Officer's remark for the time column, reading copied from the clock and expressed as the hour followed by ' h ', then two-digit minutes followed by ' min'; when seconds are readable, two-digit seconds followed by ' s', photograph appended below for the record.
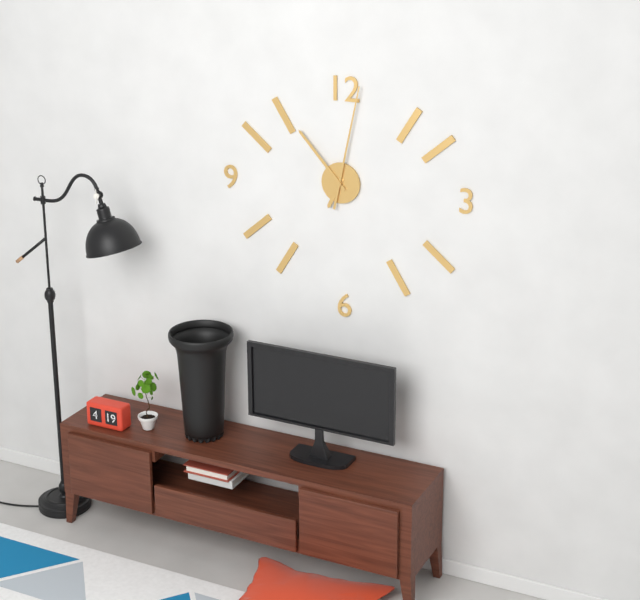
6 h 53 min 02 s
